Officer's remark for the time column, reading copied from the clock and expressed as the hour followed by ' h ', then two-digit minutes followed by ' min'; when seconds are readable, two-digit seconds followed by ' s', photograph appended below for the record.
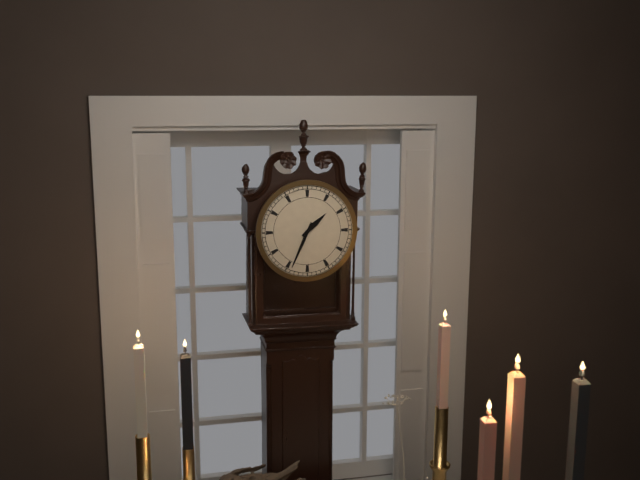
1 h 34 min
